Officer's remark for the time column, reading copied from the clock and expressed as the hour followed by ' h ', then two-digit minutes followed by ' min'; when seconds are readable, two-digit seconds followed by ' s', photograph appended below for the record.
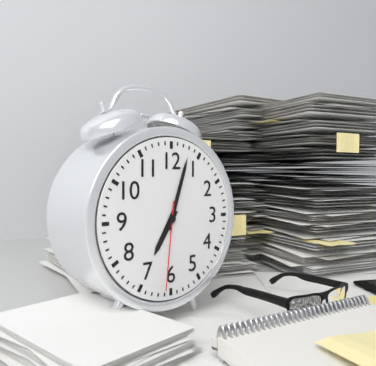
7 h 03 min 31 s
